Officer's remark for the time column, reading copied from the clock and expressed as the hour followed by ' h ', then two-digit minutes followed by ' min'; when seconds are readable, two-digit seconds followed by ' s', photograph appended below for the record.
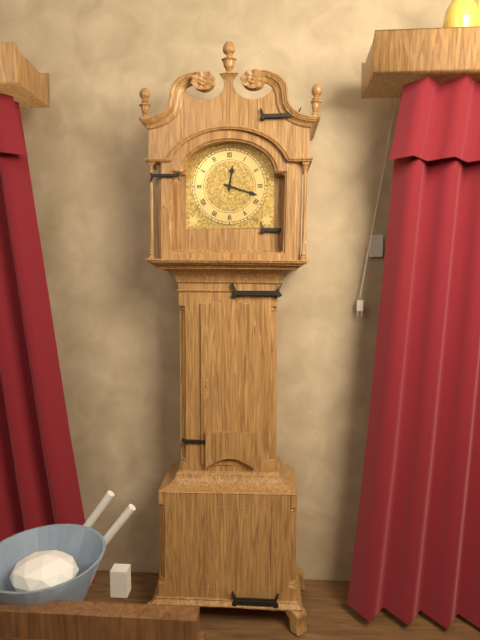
12 h 18 min
